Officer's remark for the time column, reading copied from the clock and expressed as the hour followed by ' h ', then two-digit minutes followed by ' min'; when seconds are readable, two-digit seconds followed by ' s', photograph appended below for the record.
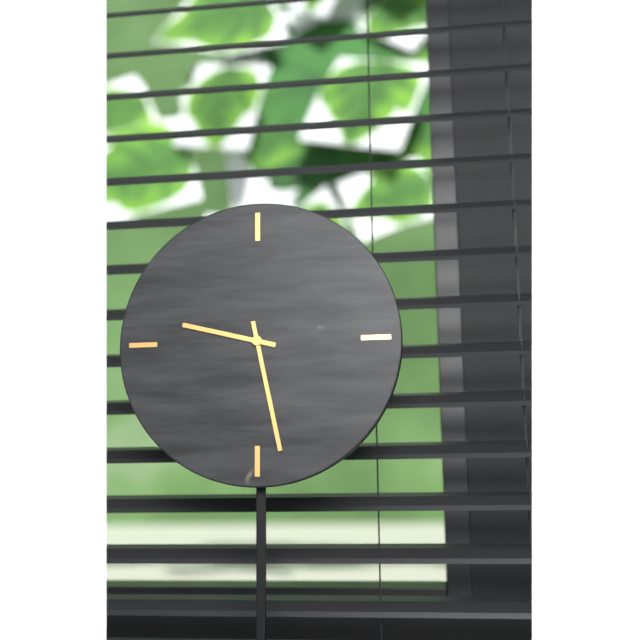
9 h 28 min
